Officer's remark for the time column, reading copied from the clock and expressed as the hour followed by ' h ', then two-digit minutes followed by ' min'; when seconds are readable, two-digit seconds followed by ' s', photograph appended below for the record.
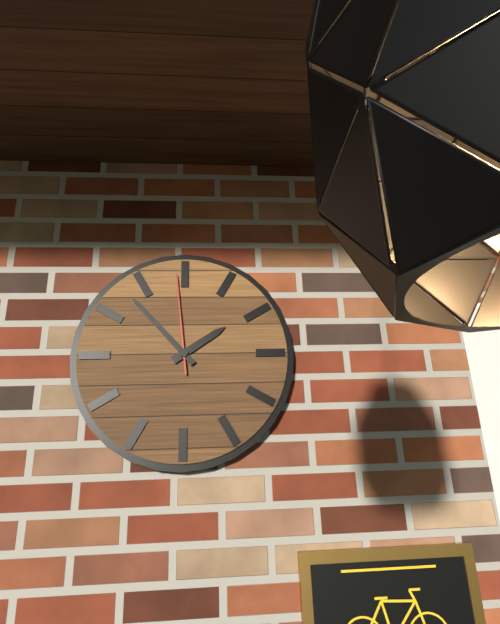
1 h 53 min 59 s
